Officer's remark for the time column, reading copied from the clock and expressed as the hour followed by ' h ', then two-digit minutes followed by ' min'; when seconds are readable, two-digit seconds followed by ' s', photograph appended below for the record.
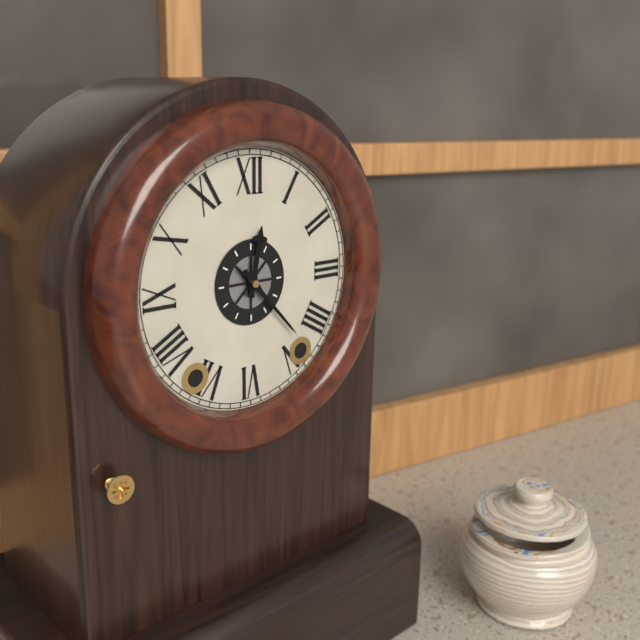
12 h 23 min
